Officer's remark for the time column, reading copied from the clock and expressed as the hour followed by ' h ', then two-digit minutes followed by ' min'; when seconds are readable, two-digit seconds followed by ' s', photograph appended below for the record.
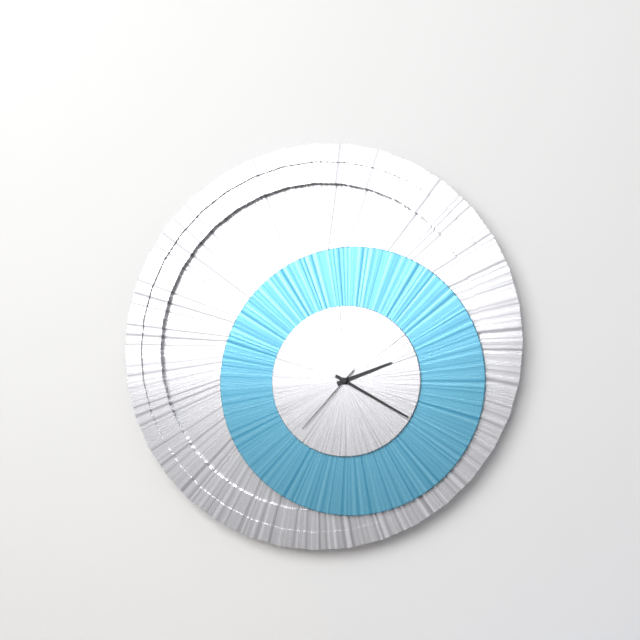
2 h 20 min 37 s
